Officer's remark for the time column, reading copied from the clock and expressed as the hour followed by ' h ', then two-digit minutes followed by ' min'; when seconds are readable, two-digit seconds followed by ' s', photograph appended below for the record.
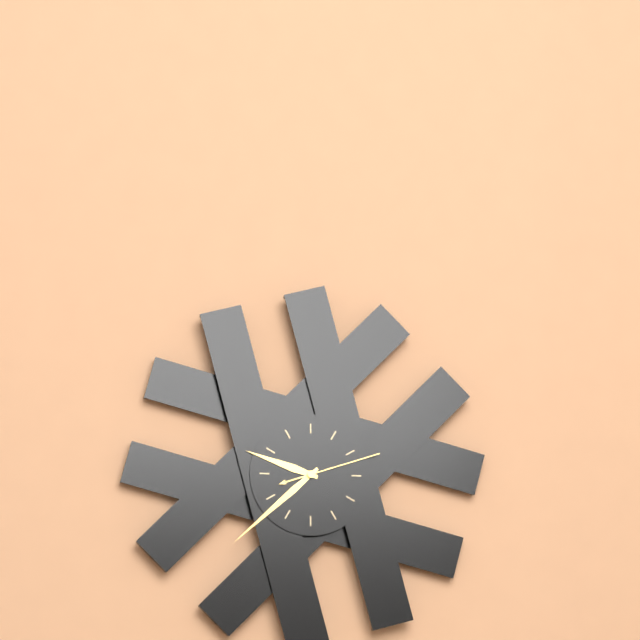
9 h 38 min 12 s
